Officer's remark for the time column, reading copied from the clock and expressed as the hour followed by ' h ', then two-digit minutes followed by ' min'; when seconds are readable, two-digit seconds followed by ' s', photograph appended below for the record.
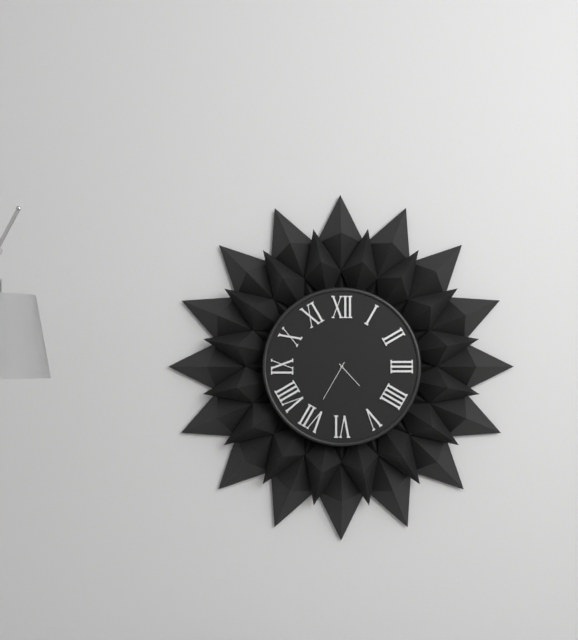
4 h 35 min
